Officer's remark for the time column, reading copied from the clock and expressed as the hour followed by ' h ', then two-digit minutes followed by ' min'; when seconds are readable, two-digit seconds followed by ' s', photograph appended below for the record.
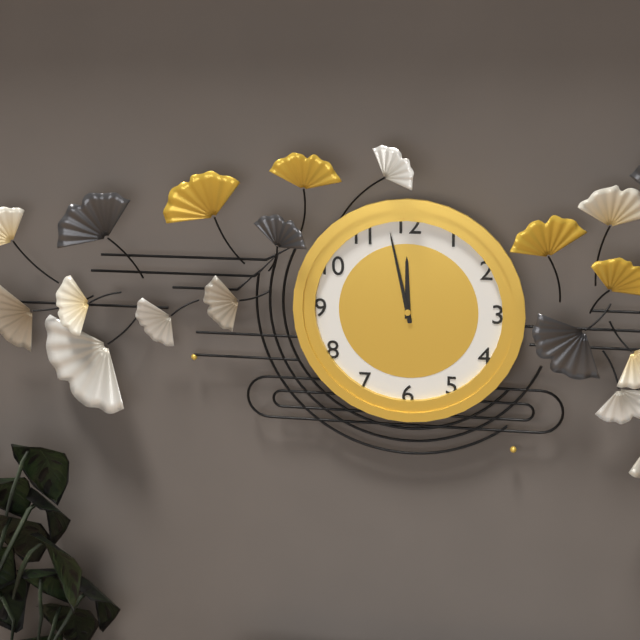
11 h 58 min
